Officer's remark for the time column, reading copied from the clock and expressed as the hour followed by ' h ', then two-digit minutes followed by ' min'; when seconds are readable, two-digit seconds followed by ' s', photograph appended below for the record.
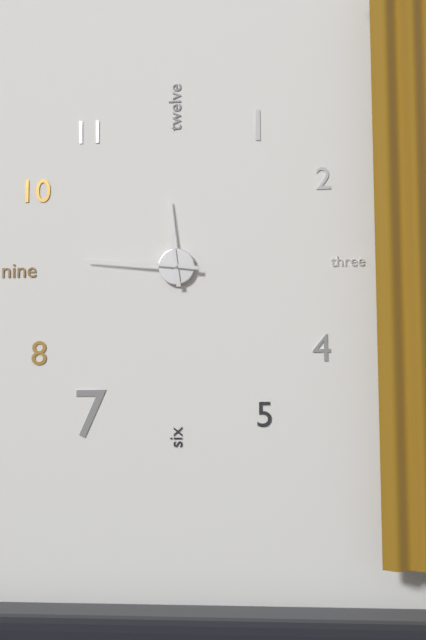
11 h 46 min
